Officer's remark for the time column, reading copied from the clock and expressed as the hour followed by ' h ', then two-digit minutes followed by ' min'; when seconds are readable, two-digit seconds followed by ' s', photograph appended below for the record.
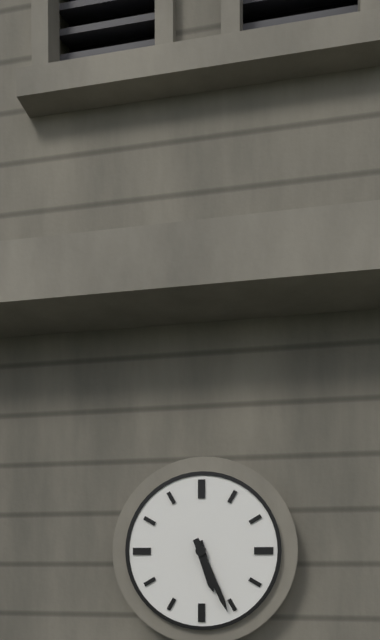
5 h 26 min
